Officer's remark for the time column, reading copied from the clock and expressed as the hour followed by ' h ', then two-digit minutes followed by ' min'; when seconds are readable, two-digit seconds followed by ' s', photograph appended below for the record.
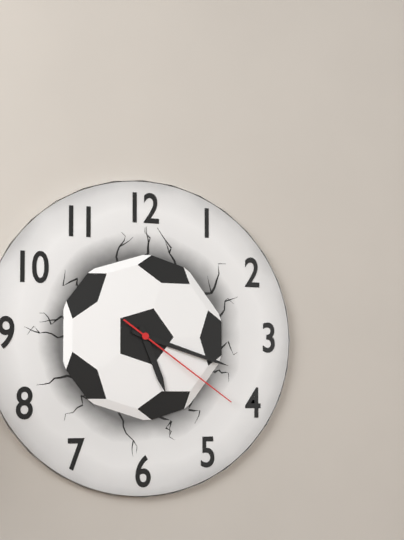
5 h 18 min 21 s
